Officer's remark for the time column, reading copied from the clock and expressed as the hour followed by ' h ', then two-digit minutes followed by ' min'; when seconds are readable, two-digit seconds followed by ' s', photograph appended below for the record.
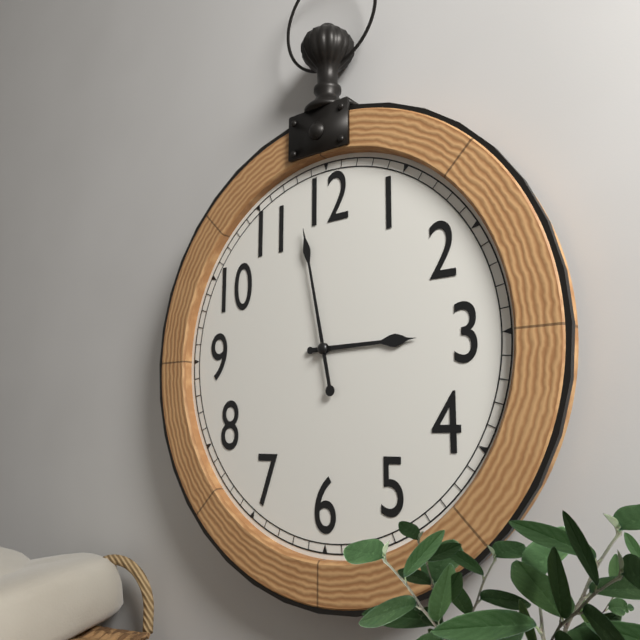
2 h 58 min
